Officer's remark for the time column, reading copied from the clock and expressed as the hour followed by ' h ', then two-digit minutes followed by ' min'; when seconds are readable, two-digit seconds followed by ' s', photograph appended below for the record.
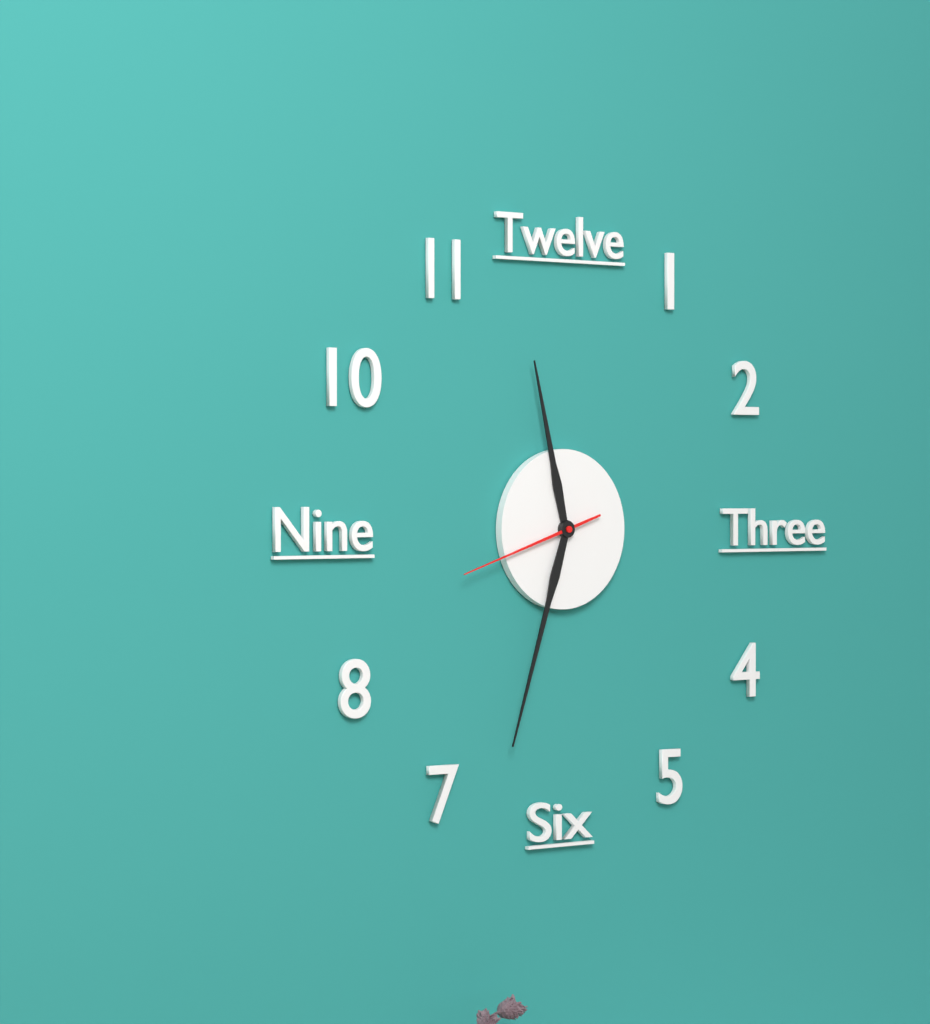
11 h 33 min 42 s
